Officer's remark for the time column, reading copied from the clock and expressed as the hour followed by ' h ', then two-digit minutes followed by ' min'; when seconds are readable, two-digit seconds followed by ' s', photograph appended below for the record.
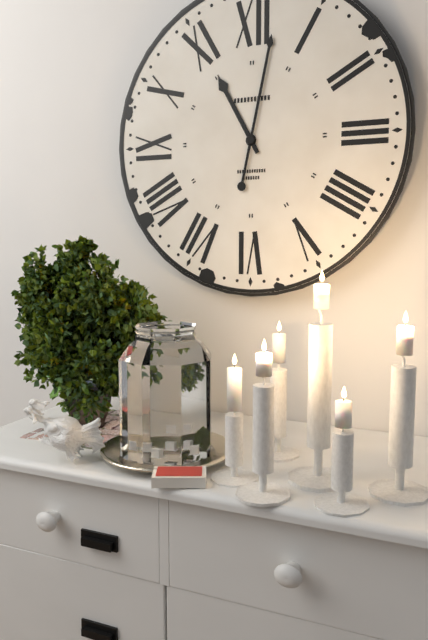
11 h 02 min
